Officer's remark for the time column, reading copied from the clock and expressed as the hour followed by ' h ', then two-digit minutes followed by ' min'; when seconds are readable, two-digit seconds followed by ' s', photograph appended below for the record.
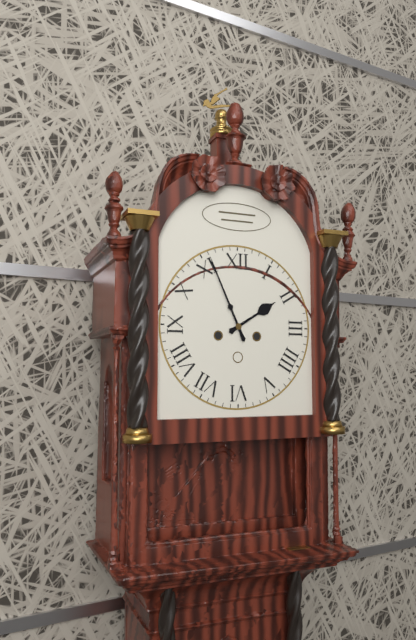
1 h 56 min
